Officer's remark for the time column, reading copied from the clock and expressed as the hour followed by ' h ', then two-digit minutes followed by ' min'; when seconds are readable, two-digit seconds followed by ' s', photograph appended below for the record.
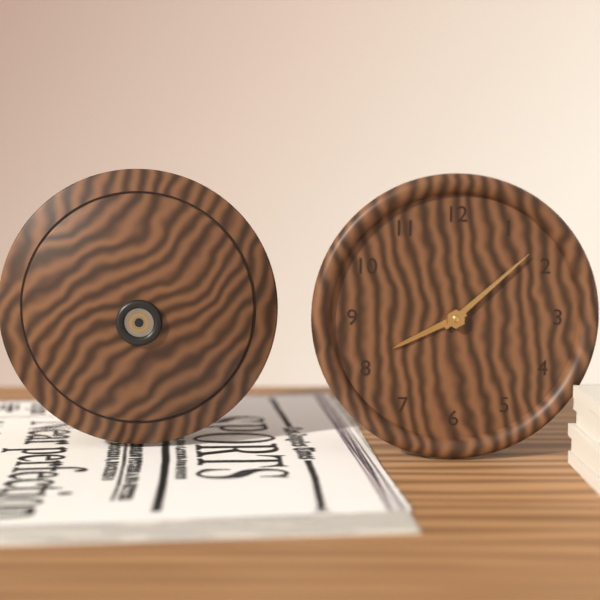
8 h 08 min
